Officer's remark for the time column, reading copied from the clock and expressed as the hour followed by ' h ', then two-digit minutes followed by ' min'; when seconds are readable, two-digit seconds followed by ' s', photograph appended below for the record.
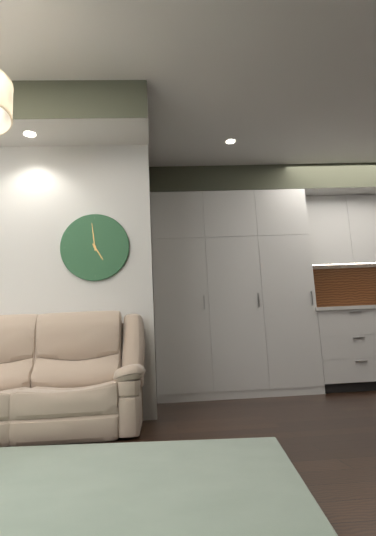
4 h 59 min
